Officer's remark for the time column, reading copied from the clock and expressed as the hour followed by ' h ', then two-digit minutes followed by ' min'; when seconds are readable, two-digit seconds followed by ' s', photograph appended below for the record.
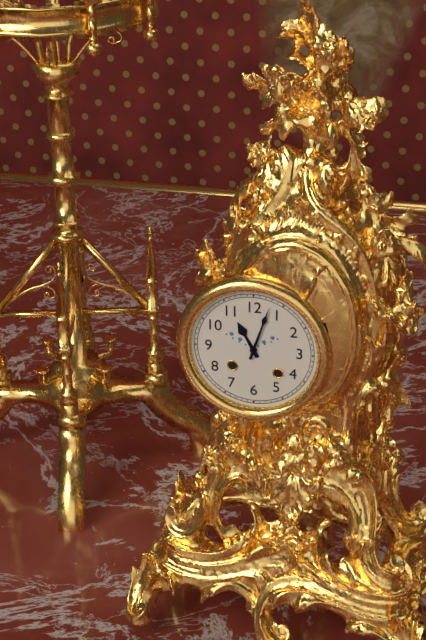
11 h 03 min
